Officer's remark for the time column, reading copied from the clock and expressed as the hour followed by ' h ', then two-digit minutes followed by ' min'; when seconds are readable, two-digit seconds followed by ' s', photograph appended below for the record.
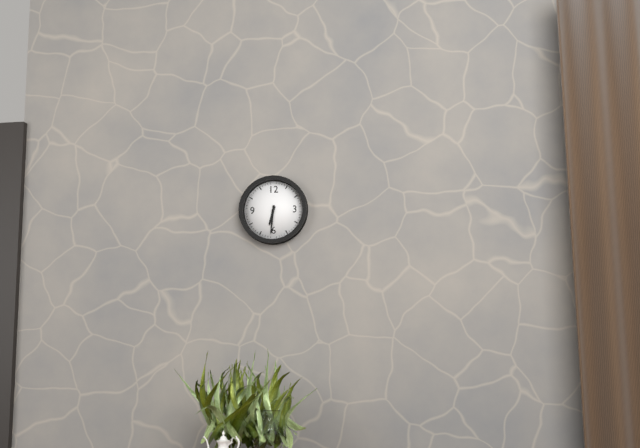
6 h 31 min
